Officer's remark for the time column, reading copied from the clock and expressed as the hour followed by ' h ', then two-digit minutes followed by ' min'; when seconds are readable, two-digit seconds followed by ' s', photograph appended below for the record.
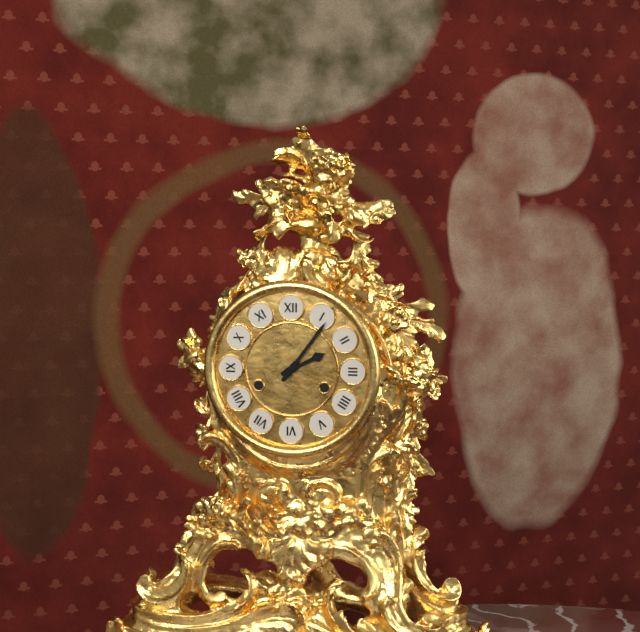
2 h 06 min
